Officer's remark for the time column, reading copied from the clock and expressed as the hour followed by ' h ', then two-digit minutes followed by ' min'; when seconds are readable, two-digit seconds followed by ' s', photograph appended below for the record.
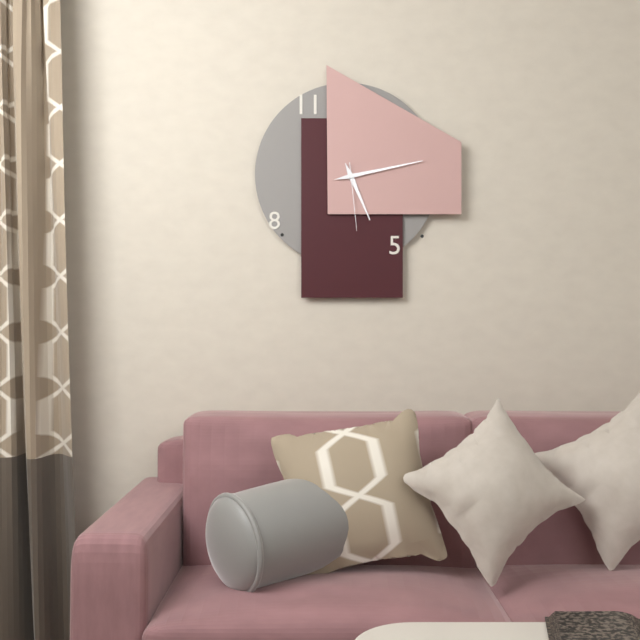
5 h 13 min 29 s
